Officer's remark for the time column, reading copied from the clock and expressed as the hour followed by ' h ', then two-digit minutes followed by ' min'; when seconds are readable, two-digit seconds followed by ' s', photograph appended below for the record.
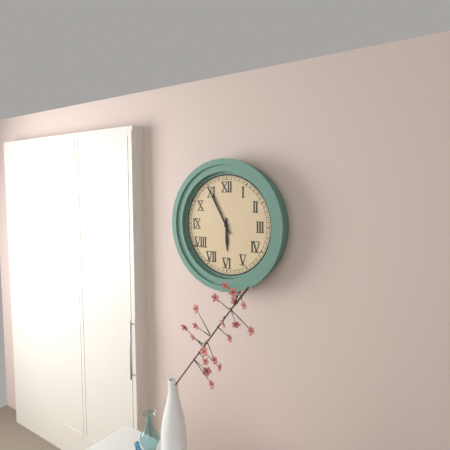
5 h 55 min
